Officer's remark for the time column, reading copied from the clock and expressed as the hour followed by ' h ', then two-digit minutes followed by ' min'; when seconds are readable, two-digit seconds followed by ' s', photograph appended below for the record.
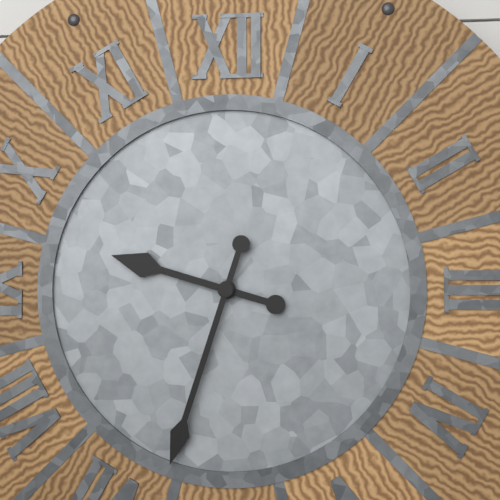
9 h 33 min
